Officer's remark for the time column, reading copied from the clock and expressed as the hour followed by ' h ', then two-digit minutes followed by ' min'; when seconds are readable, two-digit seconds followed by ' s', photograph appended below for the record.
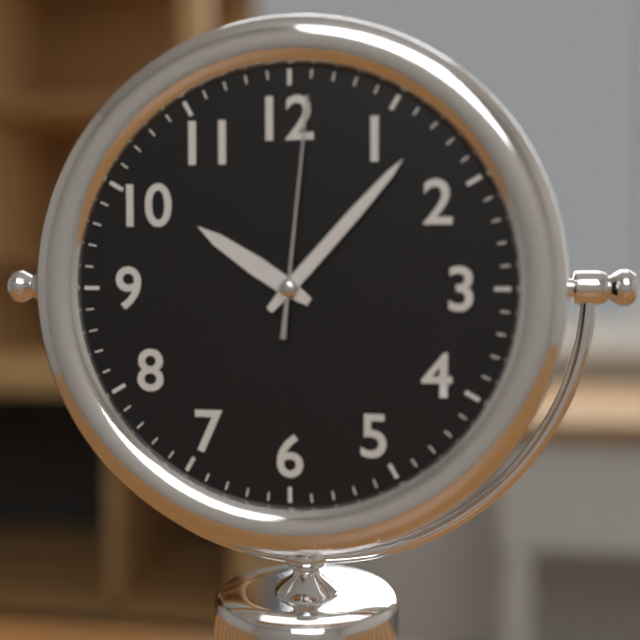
10 h 07 min 01 s
